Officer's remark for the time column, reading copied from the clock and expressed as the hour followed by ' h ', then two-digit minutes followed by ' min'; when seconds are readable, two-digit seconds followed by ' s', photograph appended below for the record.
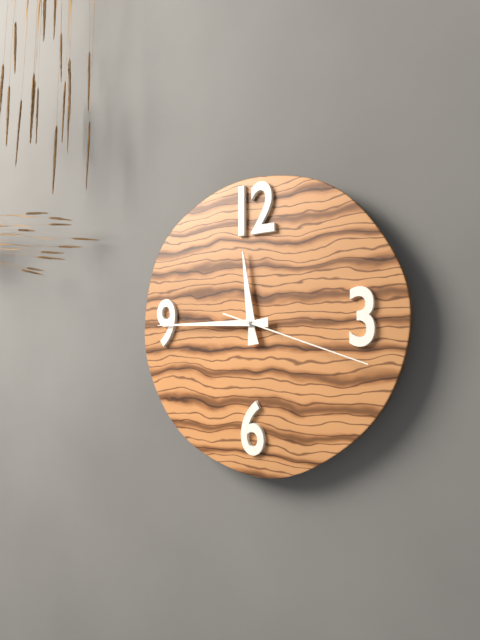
11 h 45 min 18 s
